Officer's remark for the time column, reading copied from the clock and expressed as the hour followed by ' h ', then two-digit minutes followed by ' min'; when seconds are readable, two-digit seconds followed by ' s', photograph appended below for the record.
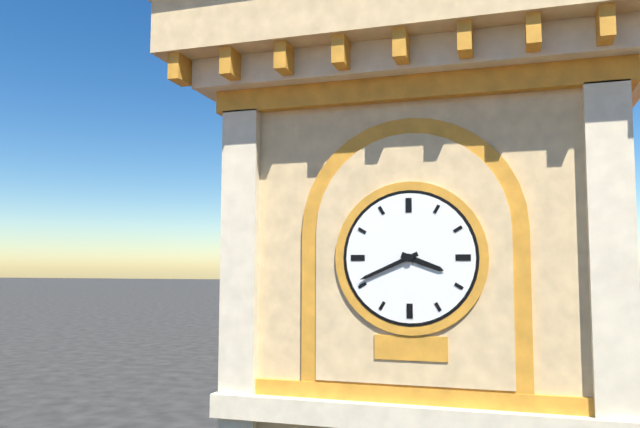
3 h 41 min
